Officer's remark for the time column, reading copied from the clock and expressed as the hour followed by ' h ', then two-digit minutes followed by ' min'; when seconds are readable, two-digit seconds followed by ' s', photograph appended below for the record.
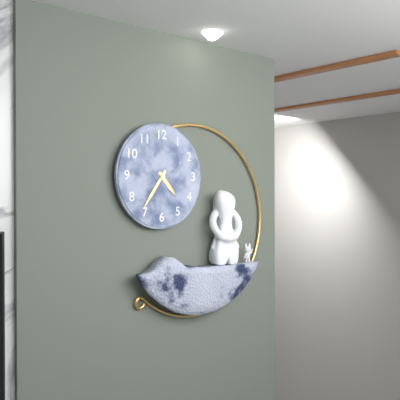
4 h 36 min
